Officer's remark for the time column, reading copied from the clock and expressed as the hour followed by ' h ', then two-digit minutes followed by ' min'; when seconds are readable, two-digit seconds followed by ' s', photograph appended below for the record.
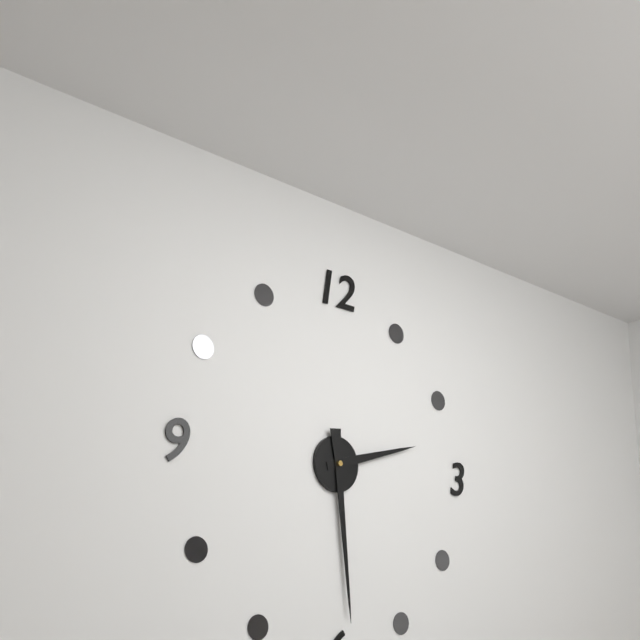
2 h 29 min
